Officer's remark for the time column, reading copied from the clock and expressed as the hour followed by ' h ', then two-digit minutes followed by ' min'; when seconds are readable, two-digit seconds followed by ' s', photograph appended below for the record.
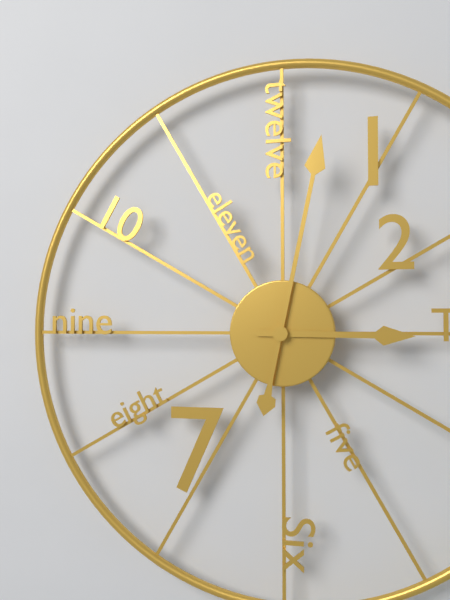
3 h 02 min
